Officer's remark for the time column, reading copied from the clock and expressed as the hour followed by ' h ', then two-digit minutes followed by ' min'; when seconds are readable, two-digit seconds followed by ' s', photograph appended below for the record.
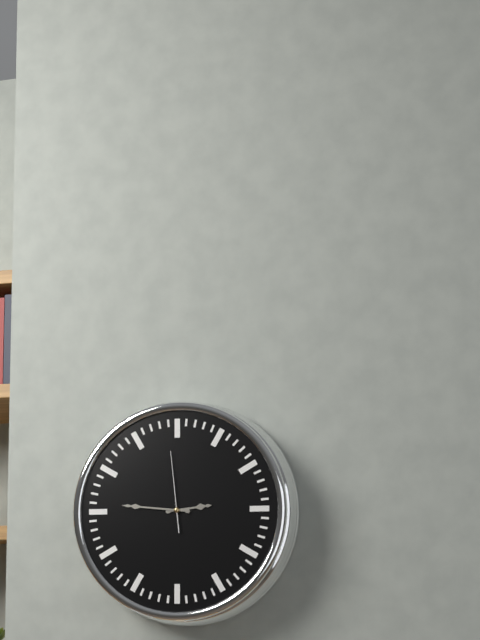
2 h 46 min 59 s
